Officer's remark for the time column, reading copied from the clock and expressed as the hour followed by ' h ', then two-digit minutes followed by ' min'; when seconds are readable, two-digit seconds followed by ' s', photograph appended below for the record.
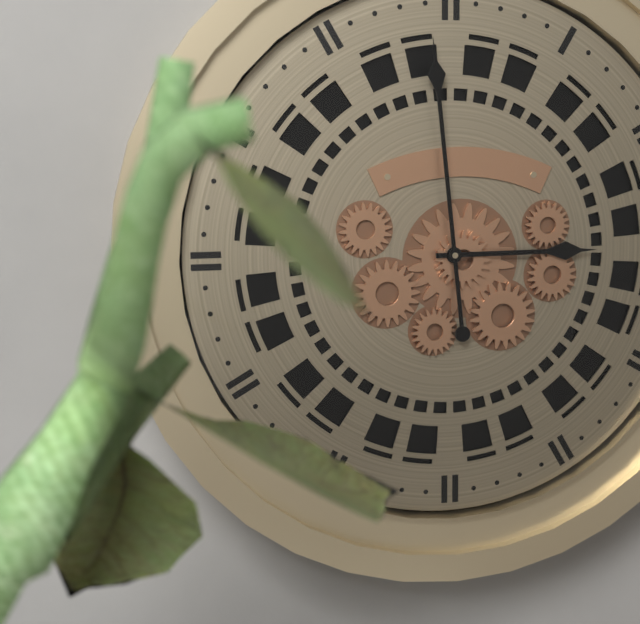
2 h 59 min
